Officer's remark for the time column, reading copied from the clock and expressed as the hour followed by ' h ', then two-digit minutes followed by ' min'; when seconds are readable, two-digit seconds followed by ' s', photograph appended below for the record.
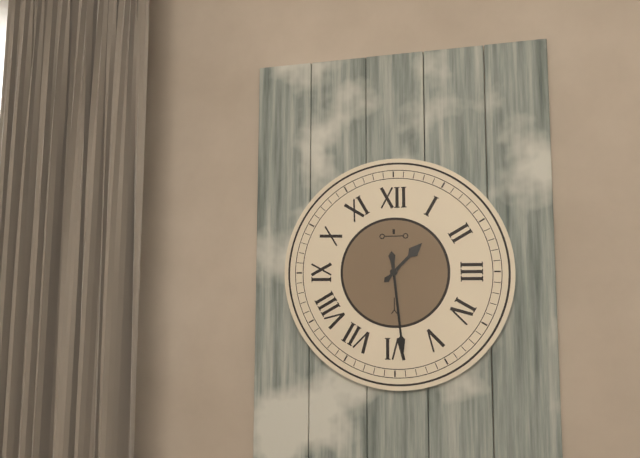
1 h 29 min
